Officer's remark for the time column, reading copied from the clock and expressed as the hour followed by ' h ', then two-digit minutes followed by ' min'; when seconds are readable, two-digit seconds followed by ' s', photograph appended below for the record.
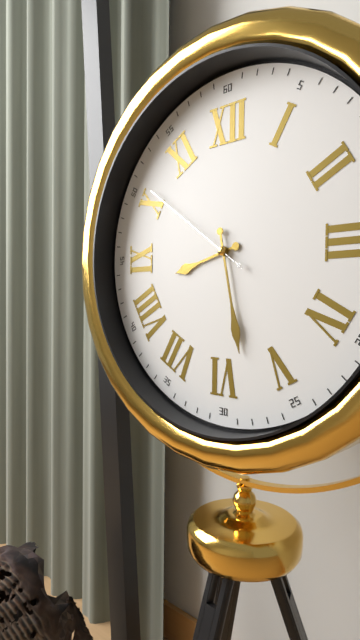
8 h 28 min 51 s
